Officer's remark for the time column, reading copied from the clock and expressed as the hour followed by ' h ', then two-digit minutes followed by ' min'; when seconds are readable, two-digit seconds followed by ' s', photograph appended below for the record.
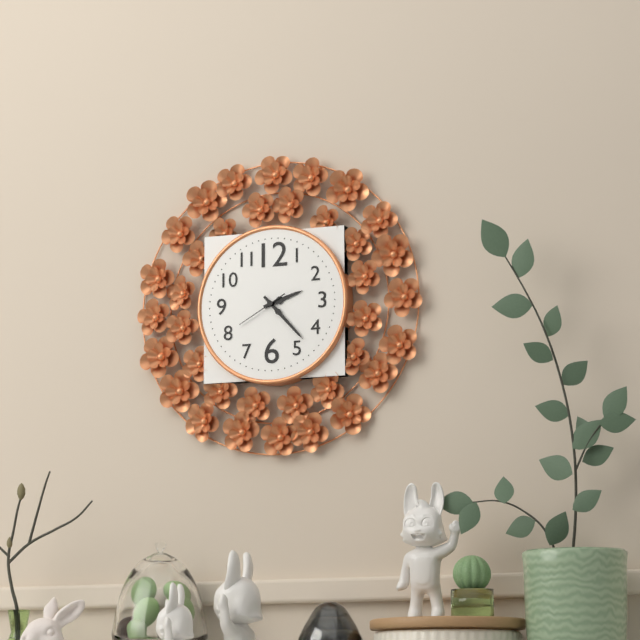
2 h 23 min
